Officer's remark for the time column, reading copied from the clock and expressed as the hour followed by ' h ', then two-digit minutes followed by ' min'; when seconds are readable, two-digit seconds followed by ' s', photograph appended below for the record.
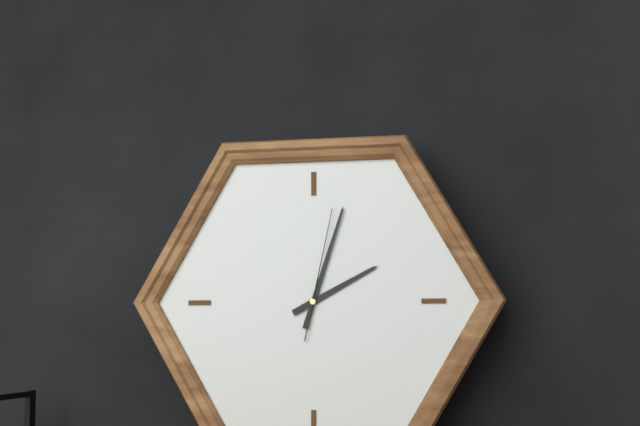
2 h 03 min 02 s
